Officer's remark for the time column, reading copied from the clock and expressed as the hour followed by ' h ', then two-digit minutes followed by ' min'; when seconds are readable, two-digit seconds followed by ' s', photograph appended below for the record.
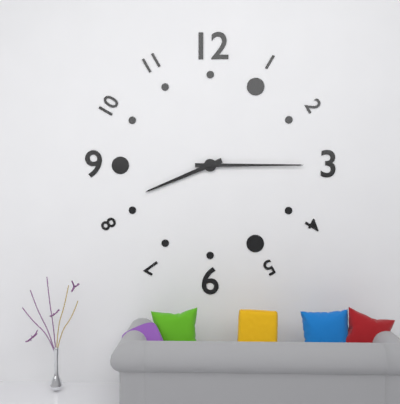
8 h 15 min
